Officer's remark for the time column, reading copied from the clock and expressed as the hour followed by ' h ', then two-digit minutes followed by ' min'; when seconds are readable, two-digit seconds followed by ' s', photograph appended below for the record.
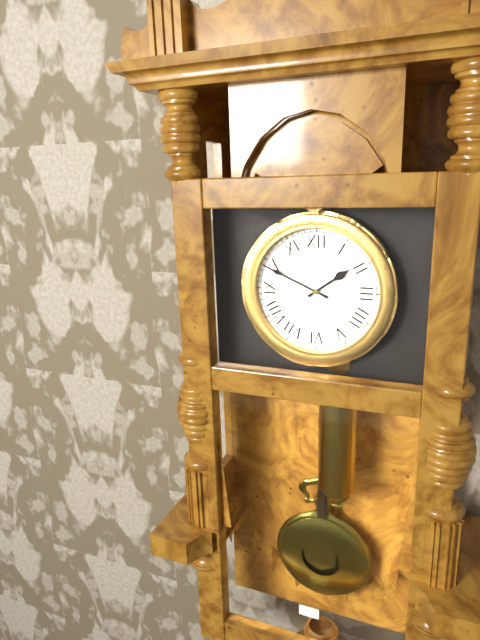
1 h 49 min
